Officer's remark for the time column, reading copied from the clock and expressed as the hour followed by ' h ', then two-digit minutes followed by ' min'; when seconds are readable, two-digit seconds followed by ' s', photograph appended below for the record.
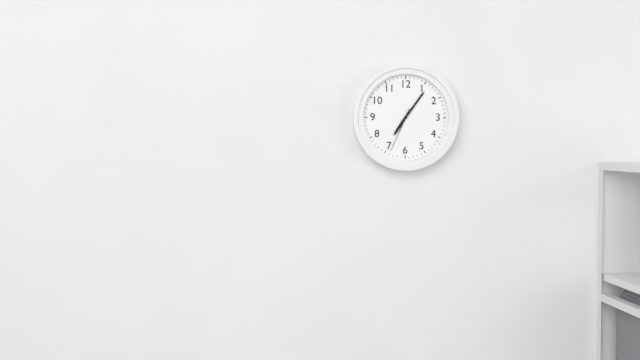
7 h 06 min
